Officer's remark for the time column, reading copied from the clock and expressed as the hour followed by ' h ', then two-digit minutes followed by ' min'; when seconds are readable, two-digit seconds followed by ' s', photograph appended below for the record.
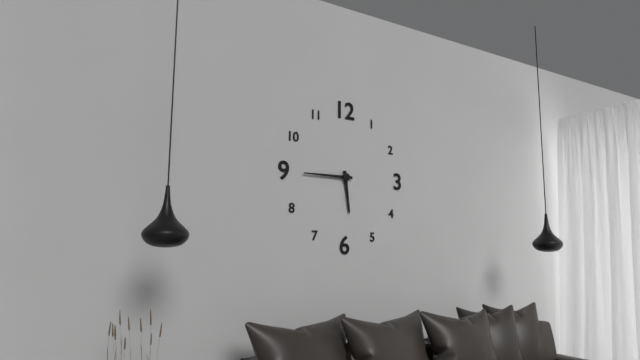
5 h 45 min
